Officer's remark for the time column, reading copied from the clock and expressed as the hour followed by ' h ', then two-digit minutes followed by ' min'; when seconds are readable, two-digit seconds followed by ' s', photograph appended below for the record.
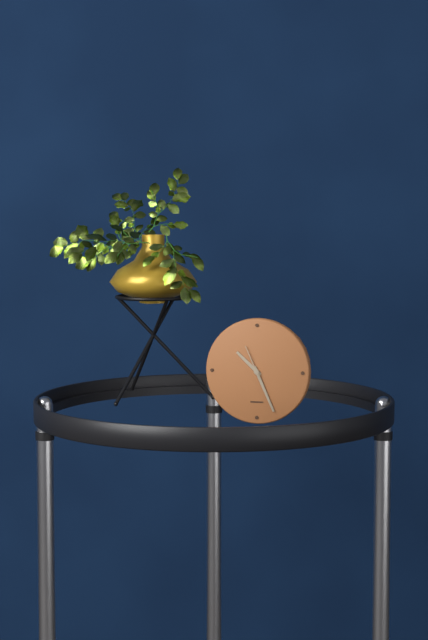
10 h 26 min
